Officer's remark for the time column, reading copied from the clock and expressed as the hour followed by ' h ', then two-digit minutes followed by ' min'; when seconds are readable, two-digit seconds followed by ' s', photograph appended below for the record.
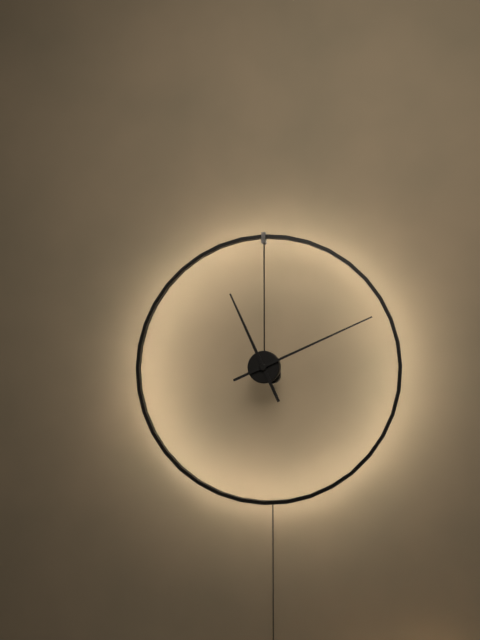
11 h 11 min
